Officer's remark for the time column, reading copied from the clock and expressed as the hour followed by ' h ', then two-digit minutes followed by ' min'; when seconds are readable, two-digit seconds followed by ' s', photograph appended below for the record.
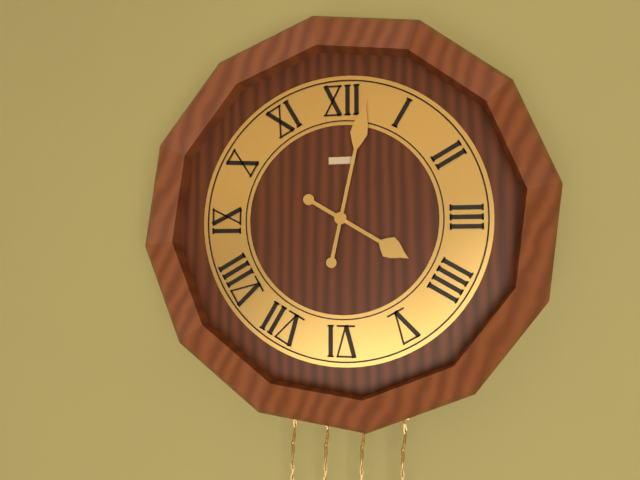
4 h 02 min
